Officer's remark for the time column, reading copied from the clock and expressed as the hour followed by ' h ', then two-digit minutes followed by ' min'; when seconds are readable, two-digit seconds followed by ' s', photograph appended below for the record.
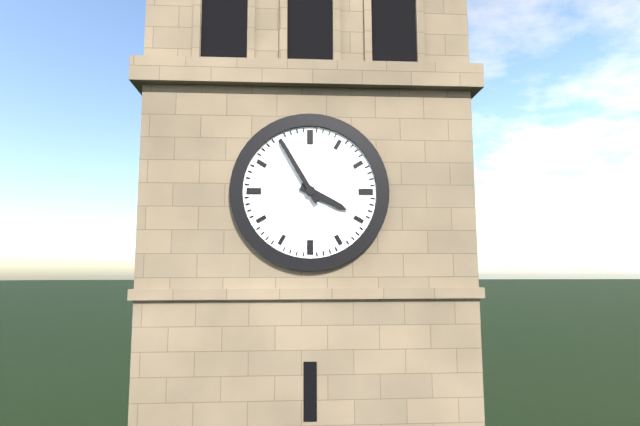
3 h 55 min
